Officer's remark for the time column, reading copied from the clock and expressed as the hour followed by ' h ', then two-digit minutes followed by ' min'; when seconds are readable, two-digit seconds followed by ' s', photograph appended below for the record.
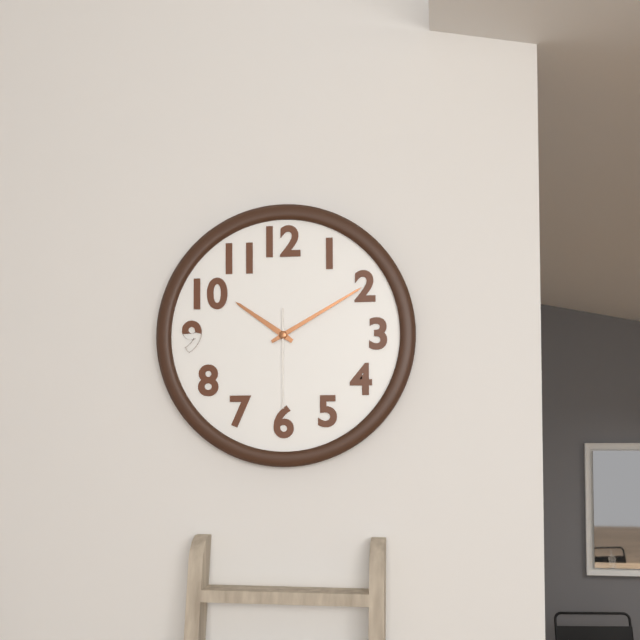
10 h 10 min 30 s
